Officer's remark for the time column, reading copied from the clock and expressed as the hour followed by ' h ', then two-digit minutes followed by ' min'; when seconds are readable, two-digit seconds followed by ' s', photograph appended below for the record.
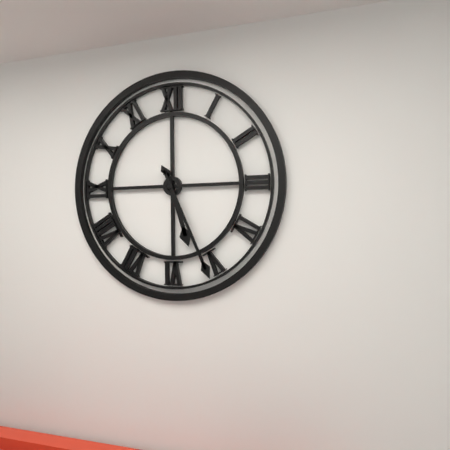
5 h 26 min
